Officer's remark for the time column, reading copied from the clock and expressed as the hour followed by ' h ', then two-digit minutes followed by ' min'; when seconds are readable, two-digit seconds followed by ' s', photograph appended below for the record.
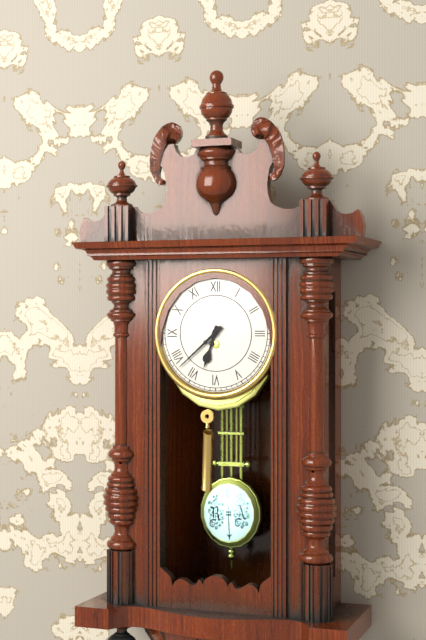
6 h 38 min
